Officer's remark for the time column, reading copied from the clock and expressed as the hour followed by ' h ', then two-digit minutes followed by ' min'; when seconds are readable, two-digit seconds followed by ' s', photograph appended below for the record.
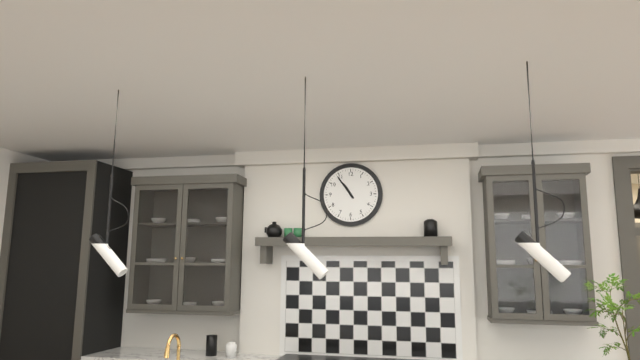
10 h 54 min
